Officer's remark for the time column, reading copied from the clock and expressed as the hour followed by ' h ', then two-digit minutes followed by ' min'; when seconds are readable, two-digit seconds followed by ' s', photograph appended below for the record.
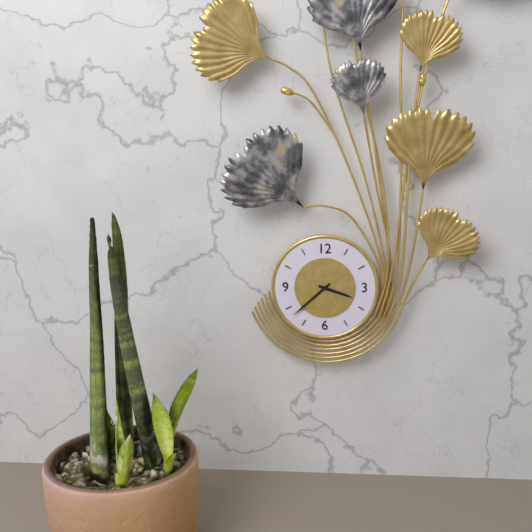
3 h 38 min
